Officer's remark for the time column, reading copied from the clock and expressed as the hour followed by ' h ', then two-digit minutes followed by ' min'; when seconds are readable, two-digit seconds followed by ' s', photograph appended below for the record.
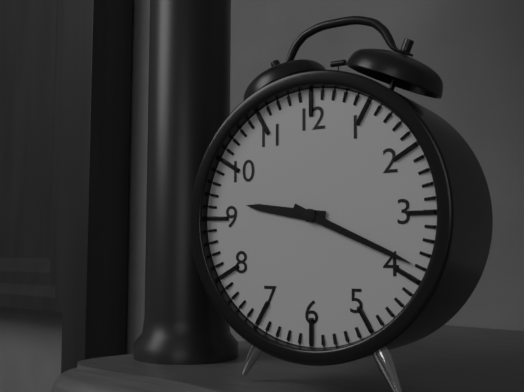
9 h 19 min
